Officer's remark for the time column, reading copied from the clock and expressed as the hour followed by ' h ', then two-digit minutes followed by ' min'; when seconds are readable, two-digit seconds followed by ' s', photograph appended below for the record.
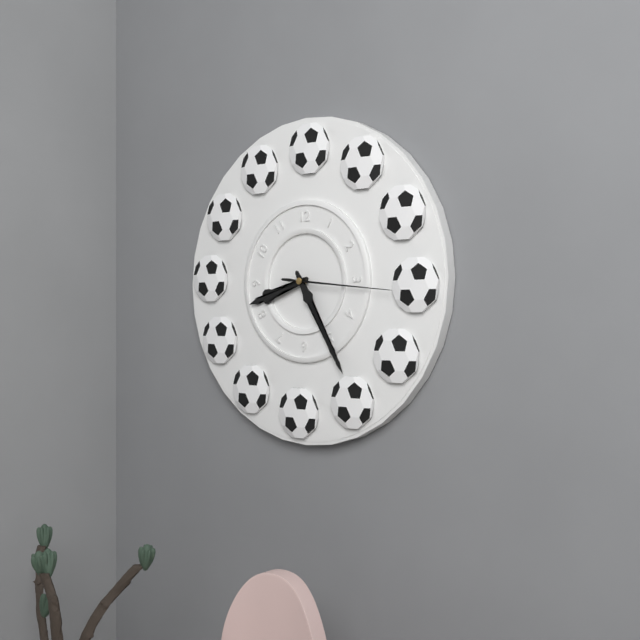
8 h 25 min 16 s
